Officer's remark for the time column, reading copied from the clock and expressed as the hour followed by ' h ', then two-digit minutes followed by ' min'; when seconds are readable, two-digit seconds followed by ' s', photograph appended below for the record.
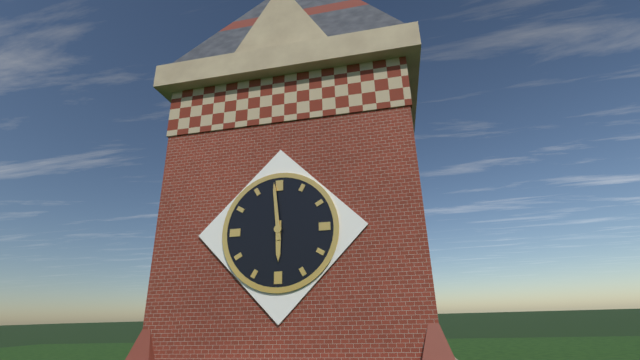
5 h 59 min
